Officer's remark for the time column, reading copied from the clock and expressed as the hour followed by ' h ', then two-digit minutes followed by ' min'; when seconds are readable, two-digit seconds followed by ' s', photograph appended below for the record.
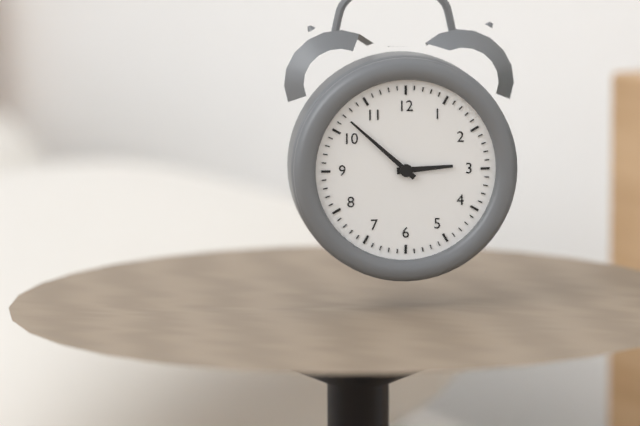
2 h 52 min
